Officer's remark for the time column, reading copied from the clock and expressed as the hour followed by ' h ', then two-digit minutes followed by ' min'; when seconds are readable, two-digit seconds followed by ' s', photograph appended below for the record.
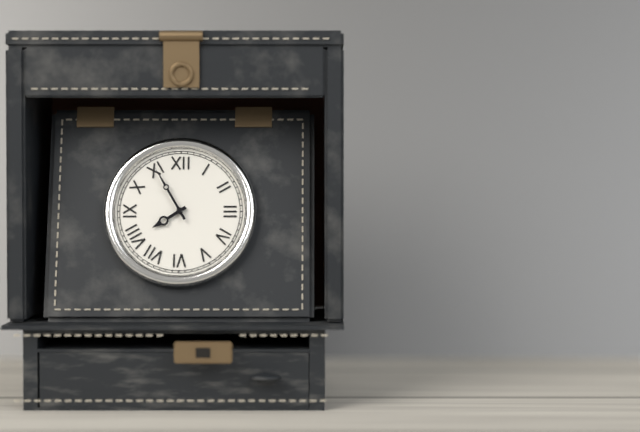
7 h 55 min
